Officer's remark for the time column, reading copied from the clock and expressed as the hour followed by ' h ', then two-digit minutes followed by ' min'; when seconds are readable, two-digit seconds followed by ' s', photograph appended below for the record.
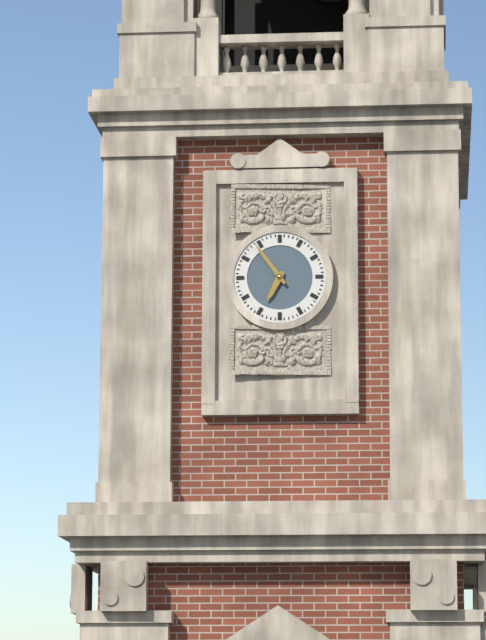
6 h 54 min
